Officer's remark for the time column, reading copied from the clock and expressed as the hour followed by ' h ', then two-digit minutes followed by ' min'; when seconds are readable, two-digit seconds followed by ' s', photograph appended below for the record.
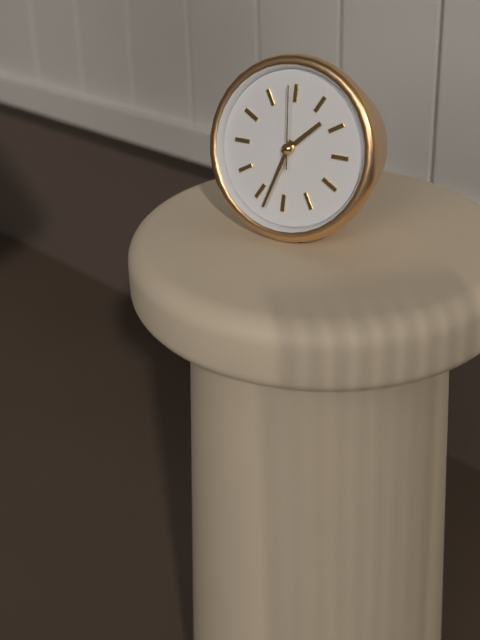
1 h 33 min 59 s
